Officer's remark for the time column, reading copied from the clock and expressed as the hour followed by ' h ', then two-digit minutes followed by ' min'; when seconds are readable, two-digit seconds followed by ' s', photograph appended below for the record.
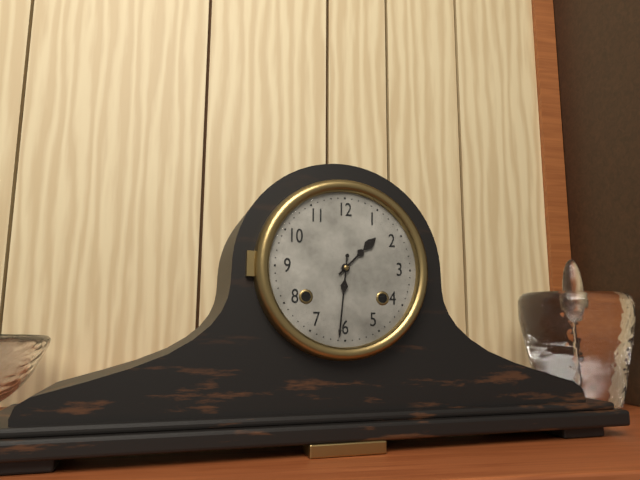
1 h 31 min
